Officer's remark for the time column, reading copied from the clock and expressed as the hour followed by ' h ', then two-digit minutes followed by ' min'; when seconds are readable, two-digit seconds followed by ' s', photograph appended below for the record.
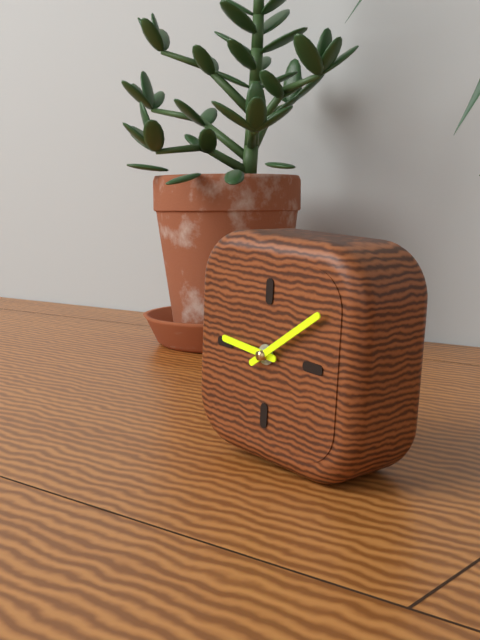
9 h 09 min
